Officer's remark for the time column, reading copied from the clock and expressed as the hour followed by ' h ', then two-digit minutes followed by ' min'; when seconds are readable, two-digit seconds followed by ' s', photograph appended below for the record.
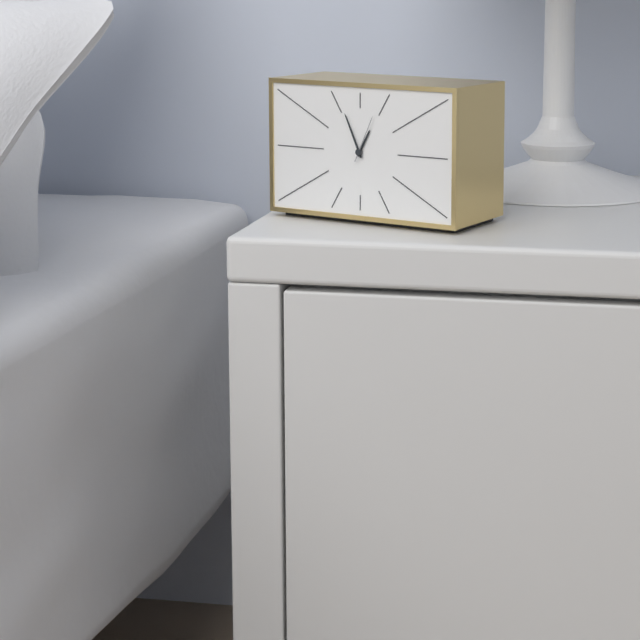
12 h 56 min
